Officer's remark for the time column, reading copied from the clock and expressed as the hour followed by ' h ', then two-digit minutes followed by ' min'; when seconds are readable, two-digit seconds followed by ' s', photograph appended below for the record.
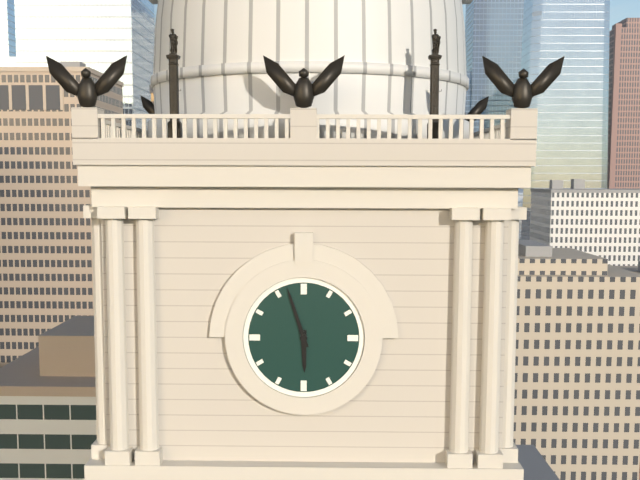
5 h 57 min
